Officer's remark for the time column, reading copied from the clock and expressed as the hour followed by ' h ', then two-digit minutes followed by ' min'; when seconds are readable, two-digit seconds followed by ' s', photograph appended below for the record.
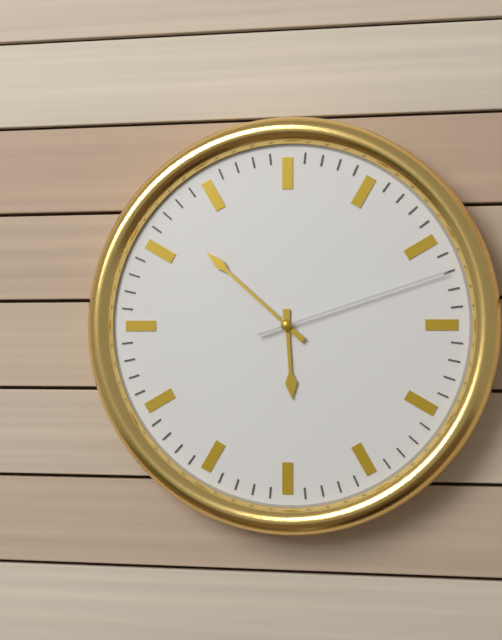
5 h 52 min 12 s
